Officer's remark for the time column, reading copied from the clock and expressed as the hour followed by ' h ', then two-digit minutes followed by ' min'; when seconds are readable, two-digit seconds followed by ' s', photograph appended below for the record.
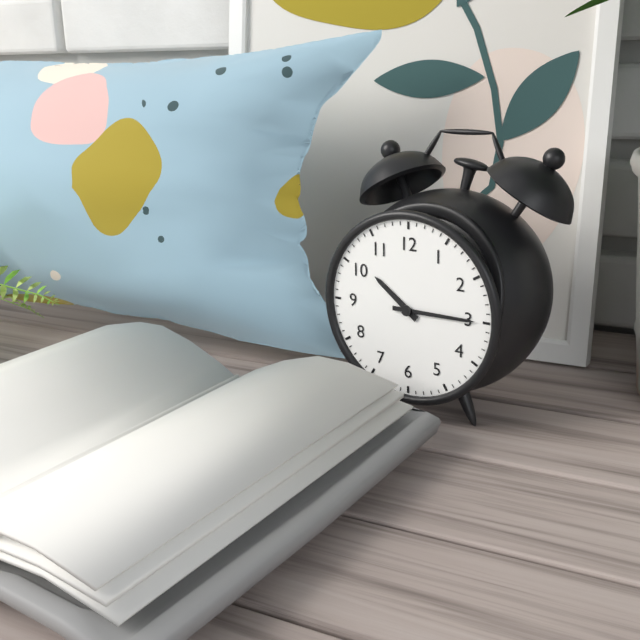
10 h 15 min
